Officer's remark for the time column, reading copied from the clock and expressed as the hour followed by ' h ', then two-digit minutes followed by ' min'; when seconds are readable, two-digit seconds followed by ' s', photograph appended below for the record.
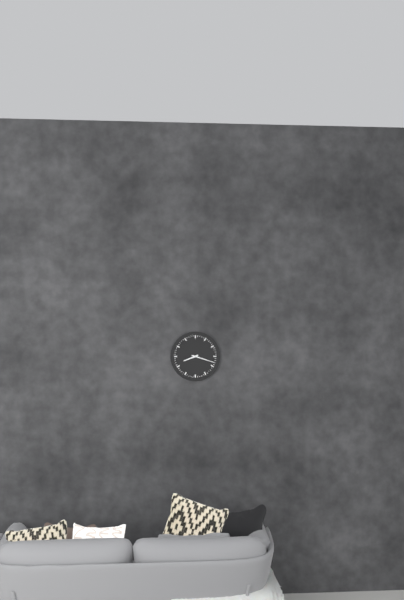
8 h 18 min
